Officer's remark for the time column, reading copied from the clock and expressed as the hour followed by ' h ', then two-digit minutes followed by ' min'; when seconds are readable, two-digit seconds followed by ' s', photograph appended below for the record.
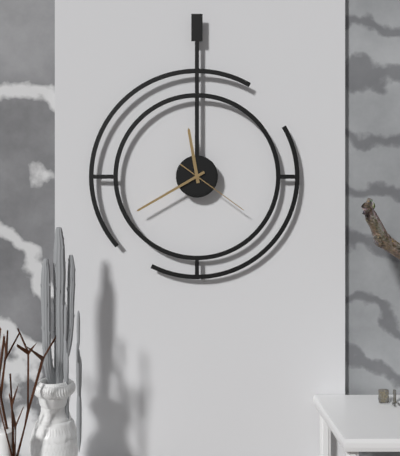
11 h 40 min 21 s
